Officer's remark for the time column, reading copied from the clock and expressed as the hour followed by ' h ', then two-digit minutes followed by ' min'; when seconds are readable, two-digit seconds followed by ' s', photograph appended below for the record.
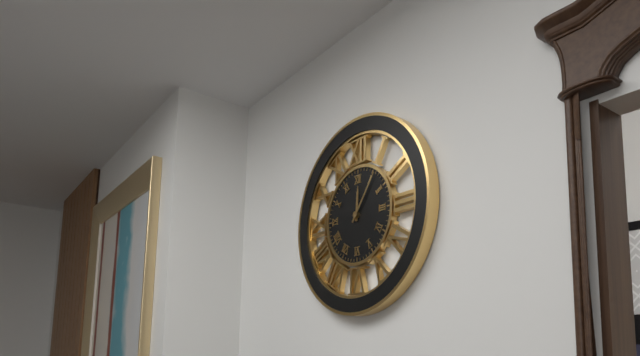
12 h 06 min
